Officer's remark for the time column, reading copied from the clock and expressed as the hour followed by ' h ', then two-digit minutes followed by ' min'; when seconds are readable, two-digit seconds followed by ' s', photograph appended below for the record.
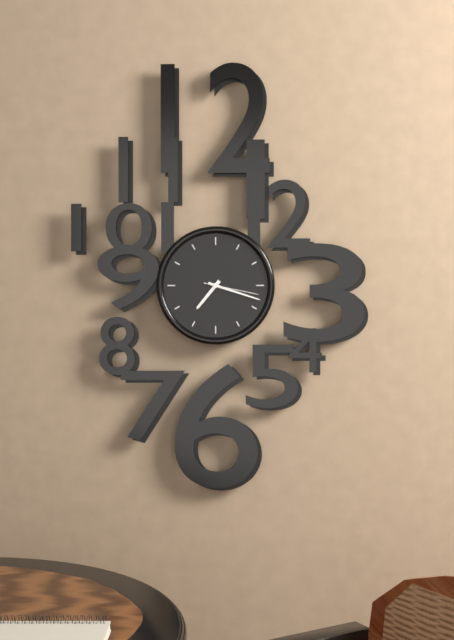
7 h 18 min 17 s
